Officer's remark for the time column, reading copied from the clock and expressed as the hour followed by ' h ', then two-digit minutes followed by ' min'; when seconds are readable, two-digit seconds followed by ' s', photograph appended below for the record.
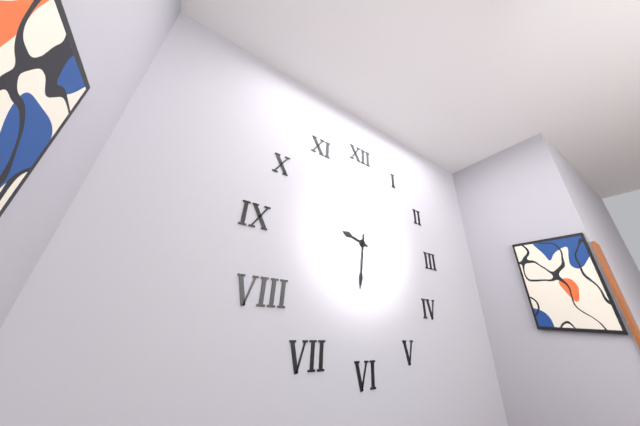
9 h 31 min
